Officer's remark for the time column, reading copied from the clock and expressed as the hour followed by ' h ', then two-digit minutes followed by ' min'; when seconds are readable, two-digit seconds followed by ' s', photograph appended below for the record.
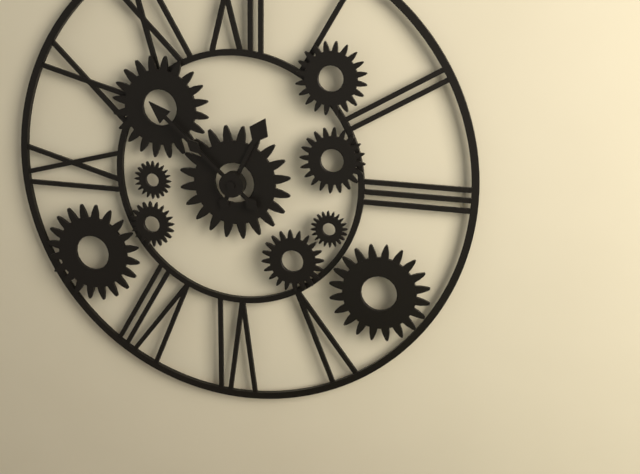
12 h 52 min
